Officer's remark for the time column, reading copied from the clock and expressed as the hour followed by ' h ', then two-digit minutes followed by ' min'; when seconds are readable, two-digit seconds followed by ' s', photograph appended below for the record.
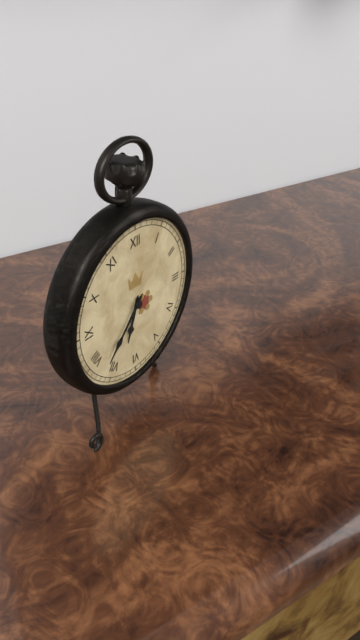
6 h 37 min
